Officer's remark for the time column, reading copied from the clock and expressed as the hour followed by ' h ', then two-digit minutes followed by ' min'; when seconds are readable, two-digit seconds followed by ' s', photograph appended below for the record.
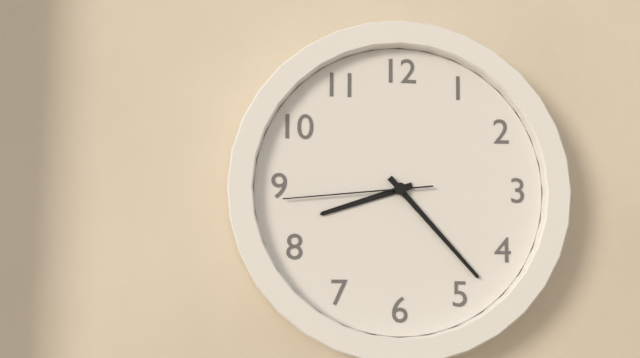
8 h 23 min 44 s
